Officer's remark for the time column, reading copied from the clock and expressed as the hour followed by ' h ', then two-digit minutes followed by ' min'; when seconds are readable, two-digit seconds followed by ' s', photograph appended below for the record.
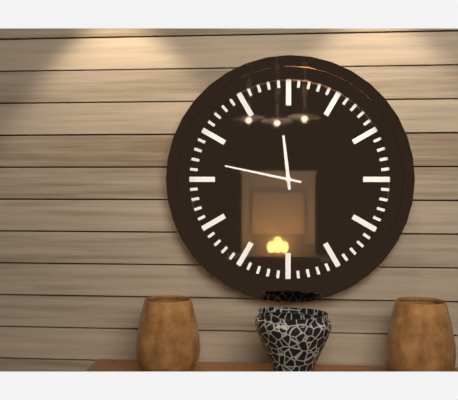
11 h 47 min
